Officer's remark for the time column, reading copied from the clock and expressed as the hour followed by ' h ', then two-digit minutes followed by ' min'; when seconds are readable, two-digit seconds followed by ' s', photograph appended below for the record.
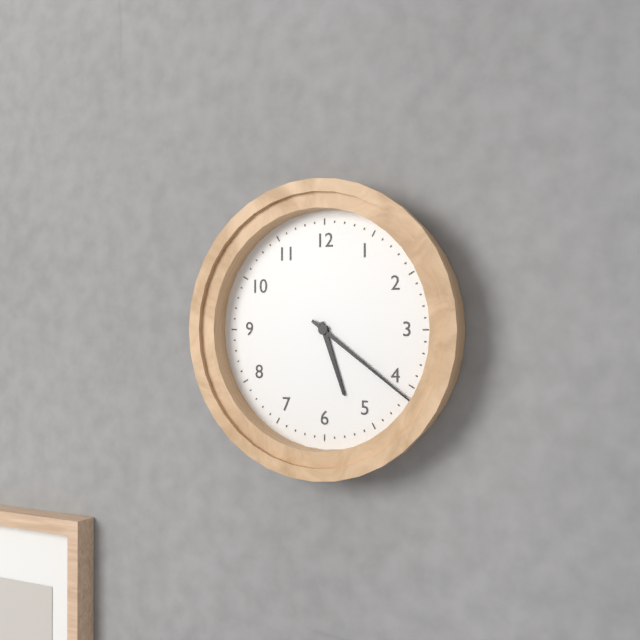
5 h 21 min
